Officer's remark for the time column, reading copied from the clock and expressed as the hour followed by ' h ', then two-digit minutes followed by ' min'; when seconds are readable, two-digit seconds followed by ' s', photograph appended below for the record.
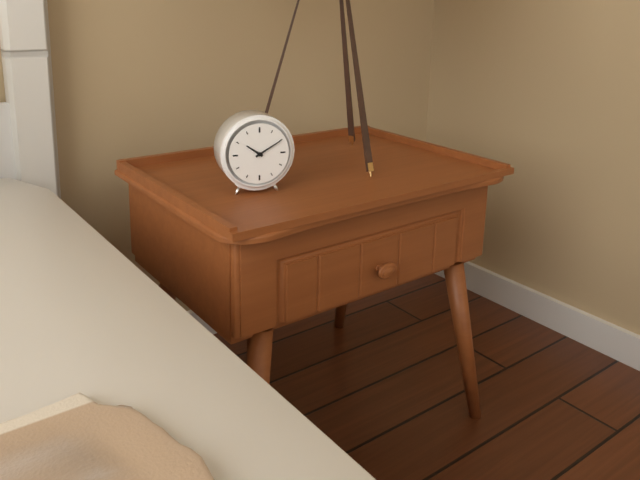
10 h 10 min
